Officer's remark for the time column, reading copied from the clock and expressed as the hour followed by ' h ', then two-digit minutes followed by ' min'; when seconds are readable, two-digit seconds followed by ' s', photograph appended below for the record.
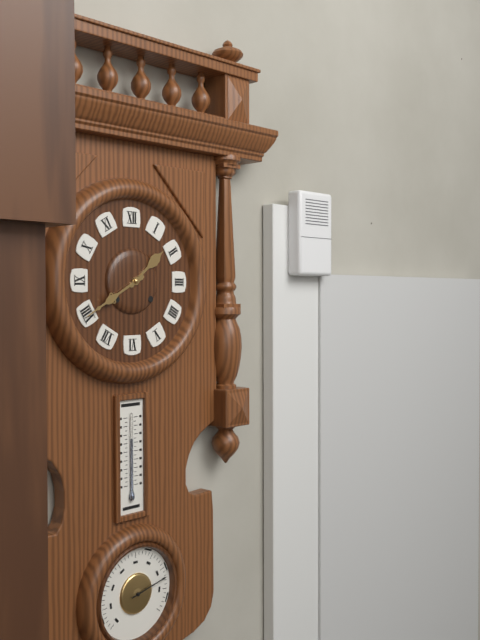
1 h 40 min
